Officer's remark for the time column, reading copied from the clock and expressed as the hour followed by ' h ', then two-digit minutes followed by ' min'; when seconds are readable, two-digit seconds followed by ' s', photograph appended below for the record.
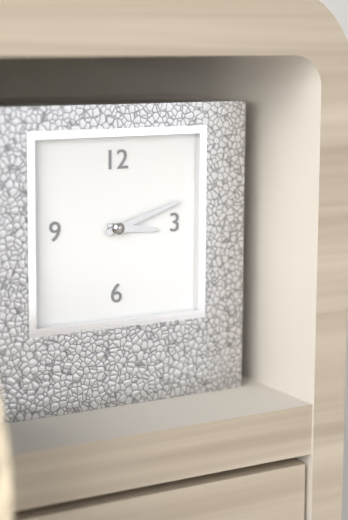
3 h 12 min
